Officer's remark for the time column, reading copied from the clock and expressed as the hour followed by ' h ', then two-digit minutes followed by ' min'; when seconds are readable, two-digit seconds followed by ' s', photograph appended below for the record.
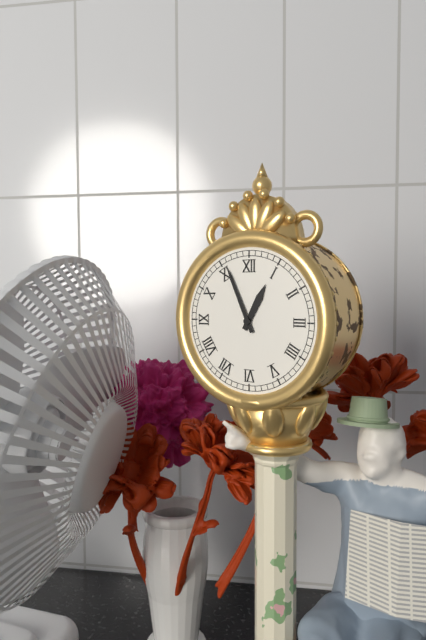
12 h 56 min
